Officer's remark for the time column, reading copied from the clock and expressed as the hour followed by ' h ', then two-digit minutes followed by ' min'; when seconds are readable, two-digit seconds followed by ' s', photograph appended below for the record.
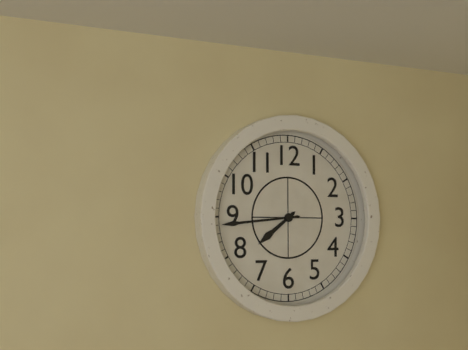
7 h 44 min
